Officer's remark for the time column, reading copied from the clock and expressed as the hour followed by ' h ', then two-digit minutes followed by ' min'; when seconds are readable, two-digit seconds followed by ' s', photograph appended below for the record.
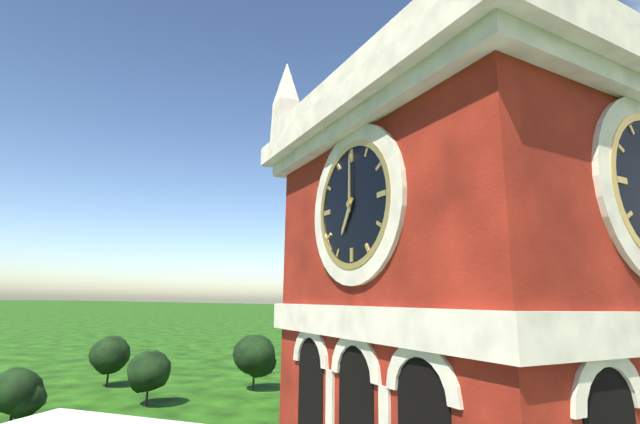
7 h 00 min
